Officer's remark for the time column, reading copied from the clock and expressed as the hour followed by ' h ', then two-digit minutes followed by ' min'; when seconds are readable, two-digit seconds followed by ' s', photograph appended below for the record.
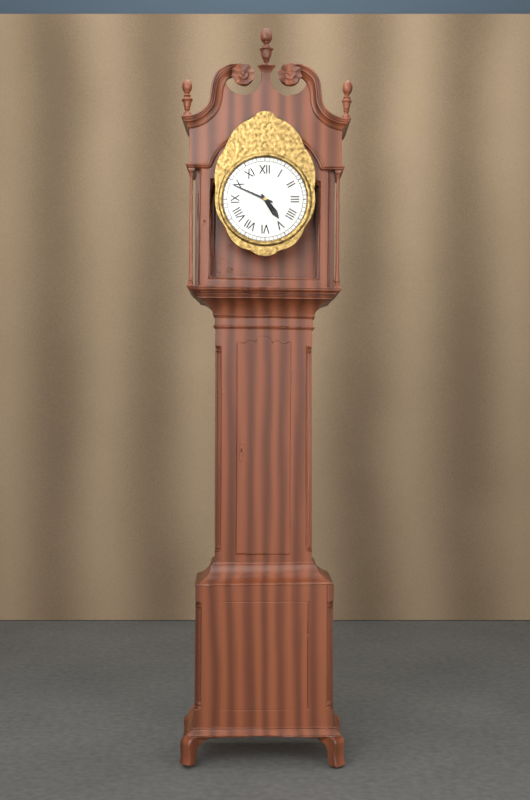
4 h 49 min
